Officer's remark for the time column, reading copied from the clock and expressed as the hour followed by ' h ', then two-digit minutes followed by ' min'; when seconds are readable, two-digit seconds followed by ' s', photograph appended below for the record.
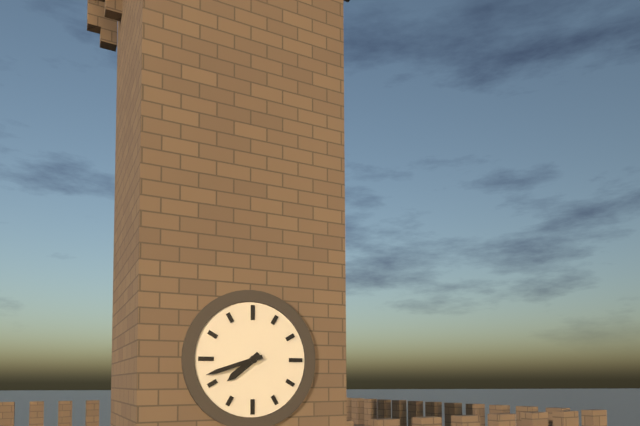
7 h 42 min
